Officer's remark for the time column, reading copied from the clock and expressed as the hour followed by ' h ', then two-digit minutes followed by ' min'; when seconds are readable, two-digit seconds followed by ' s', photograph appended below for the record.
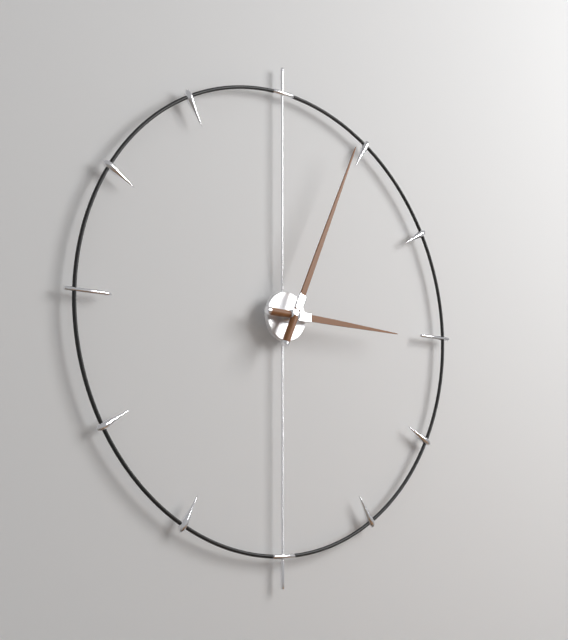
3 h 04 min
